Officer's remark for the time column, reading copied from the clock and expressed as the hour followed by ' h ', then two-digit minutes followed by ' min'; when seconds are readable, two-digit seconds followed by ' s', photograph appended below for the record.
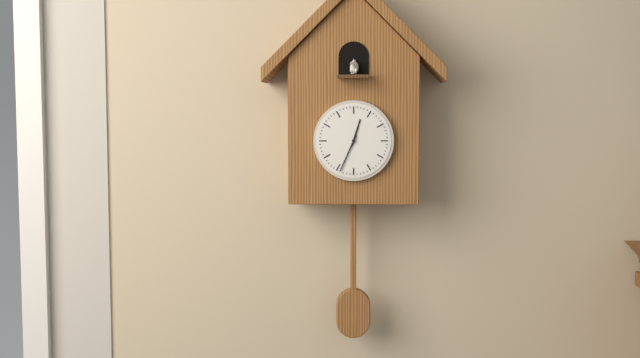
12 h 34 min
